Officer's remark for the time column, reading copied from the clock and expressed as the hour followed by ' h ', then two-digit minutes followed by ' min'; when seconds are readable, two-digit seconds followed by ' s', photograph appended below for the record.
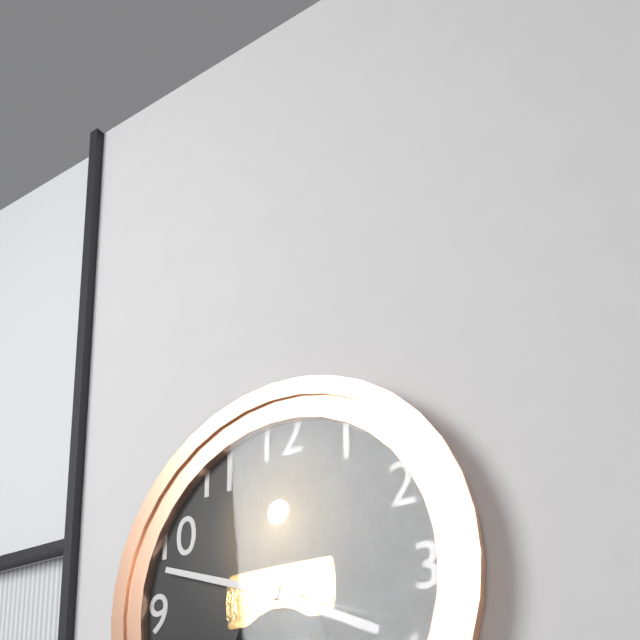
3 h 48 min 18 s
